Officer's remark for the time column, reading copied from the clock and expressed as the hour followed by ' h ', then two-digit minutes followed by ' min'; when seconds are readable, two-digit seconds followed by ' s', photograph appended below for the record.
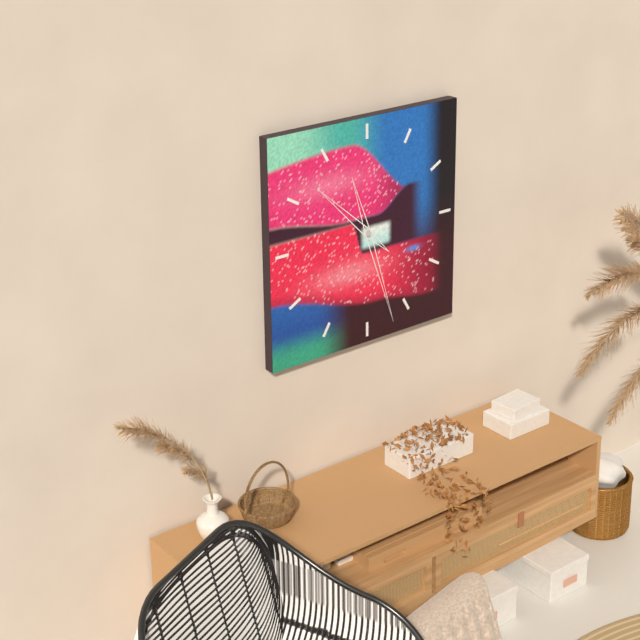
10 h 27 min
